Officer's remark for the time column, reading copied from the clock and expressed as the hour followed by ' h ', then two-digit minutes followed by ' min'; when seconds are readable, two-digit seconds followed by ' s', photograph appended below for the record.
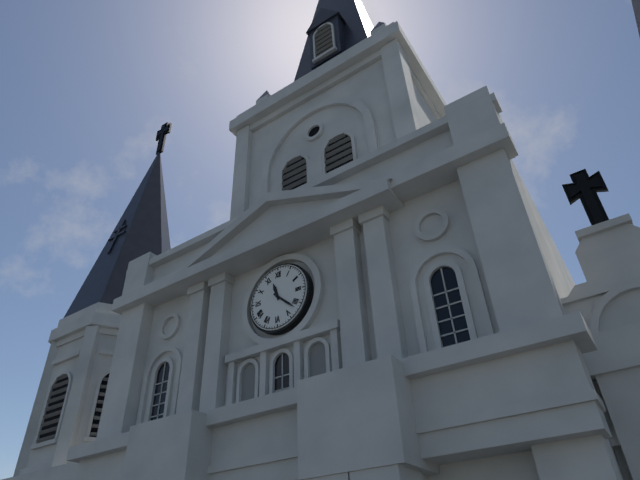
11 h 22 min
